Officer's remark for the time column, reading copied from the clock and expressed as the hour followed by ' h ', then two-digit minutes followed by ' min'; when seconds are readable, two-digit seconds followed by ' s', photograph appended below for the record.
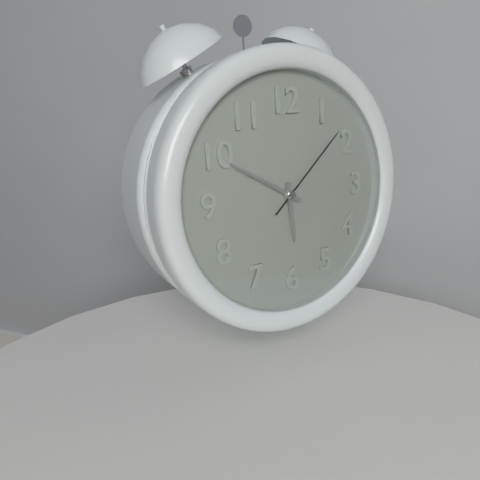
5 h 50 min 08 s
